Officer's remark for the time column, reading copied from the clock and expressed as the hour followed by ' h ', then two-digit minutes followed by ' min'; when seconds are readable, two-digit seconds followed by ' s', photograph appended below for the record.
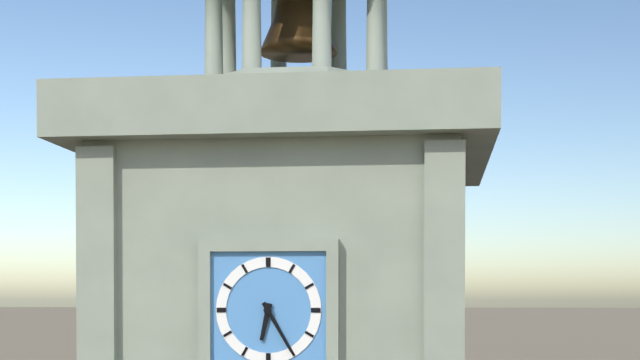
6 h 25 min
